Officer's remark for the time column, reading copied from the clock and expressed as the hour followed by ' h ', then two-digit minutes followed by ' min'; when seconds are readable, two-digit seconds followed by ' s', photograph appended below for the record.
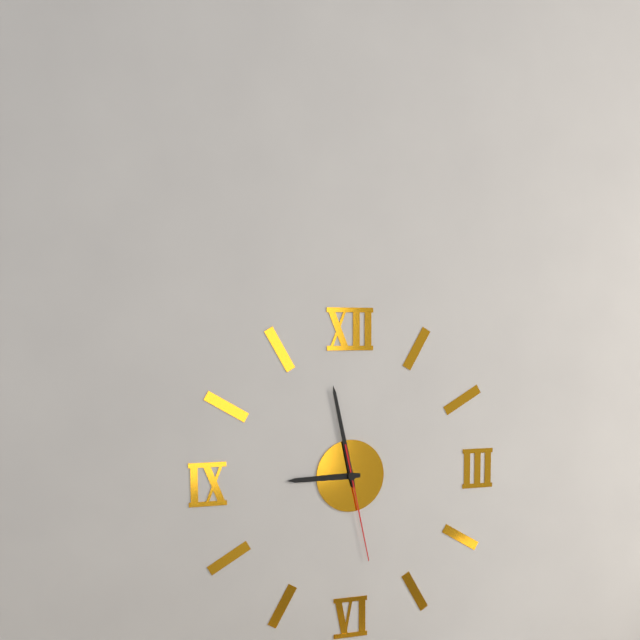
8 h 58 min 28 s
